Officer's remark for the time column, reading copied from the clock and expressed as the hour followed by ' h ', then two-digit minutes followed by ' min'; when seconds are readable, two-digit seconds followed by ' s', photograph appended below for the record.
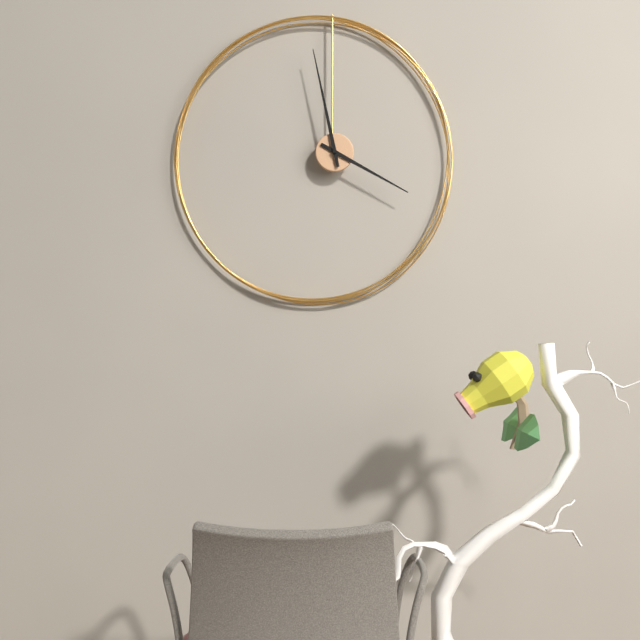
3 h 58 min
